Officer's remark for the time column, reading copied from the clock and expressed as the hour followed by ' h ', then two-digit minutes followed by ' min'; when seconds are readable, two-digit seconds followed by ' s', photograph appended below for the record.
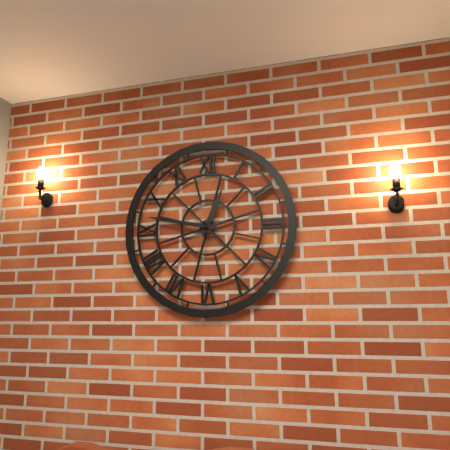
12 h 47 min
